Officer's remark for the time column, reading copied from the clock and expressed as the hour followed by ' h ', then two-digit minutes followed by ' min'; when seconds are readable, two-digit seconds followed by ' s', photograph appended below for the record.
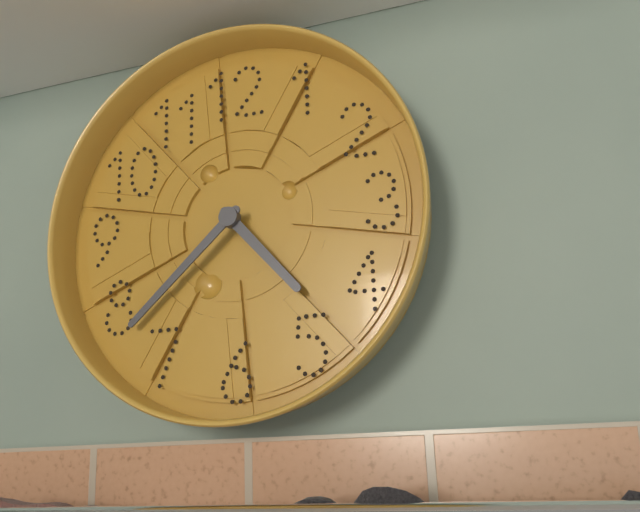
4 h 38 min
